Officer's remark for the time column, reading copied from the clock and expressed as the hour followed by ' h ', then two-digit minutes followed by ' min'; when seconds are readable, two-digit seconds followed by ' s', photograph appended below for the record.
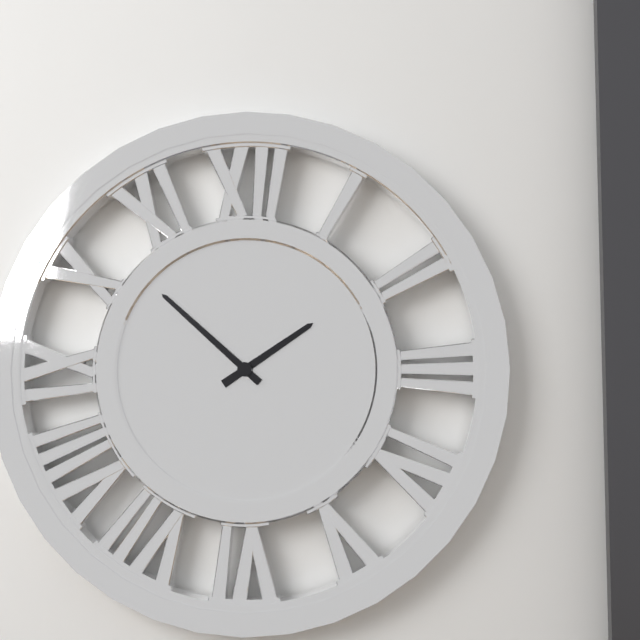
1 h 52 min
